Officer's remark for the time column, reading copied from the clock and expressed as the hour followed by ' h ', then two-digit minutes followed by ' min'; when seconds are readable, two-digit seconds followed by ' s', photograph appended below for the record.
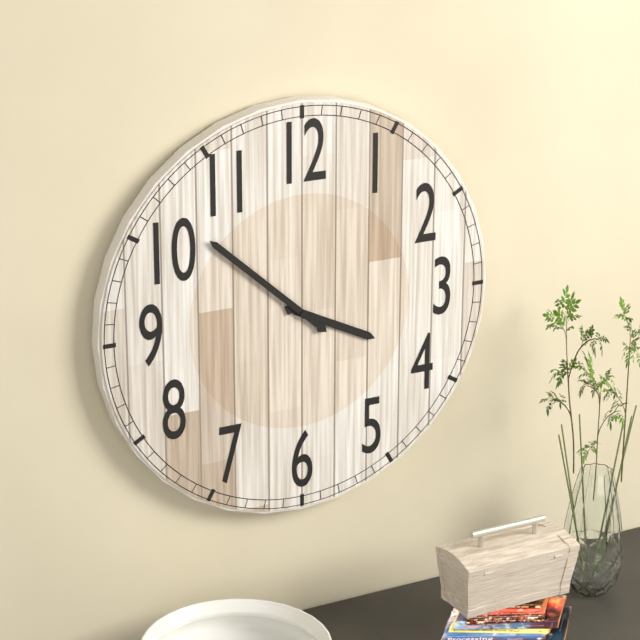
3 h 52 min
